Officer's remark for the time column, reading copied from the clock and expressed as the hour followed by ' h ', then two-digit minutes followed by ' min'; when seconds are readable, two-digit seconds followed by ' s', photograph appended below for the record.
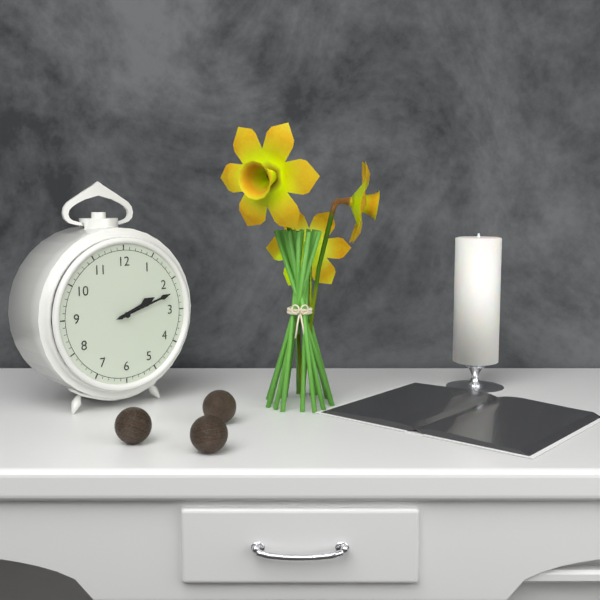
2 h 12 min
